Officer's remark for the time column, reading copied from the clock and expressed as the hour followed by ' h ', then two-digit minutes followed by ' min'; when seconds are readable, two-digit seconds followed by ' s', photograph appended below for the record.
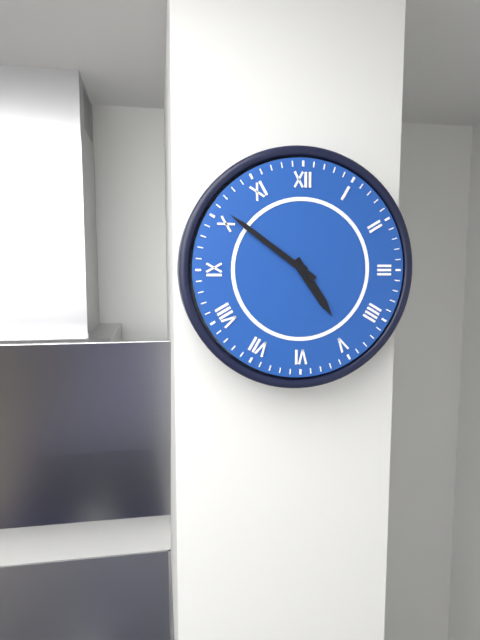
4 h 51 min
